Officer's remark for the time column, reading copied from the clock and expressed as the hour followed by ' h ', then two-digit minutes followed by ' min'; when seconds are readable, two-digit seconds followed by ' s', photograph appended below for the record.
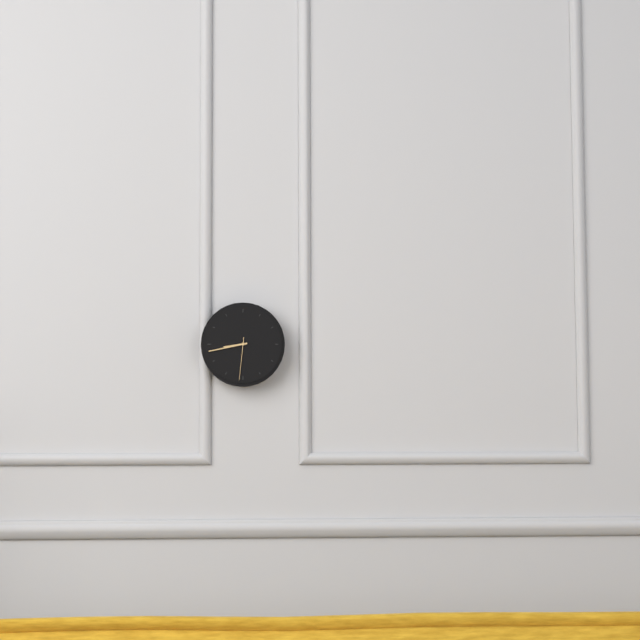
8 h 43 min
